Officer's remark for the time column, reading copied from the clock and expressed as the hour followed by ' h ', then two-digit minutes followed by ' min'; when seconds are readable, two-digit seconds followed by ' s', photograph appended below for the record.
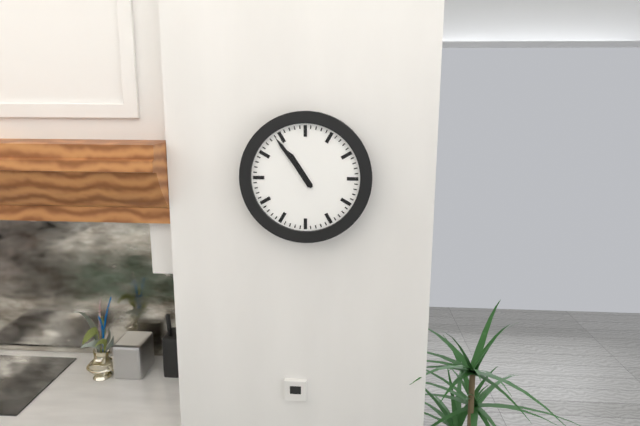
10 h 54 min
